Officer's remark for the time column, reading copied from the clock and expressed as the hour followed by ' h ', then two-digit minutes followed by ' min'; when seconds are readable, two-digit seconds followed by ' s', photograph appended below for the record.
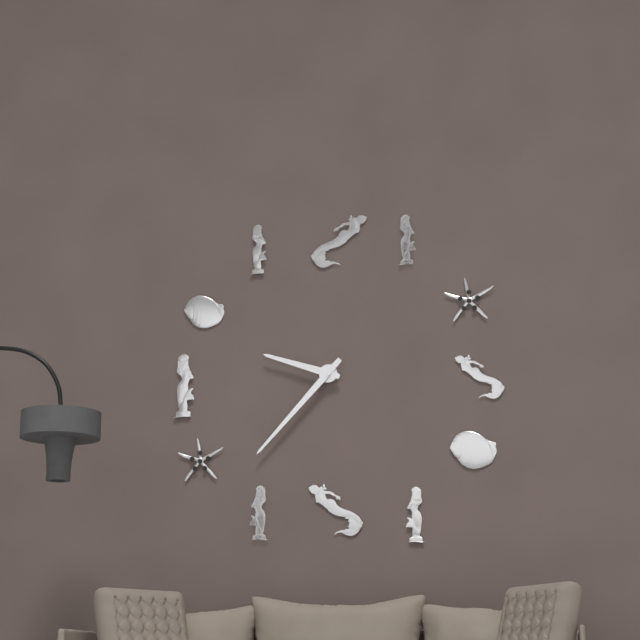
9 h 37 min
